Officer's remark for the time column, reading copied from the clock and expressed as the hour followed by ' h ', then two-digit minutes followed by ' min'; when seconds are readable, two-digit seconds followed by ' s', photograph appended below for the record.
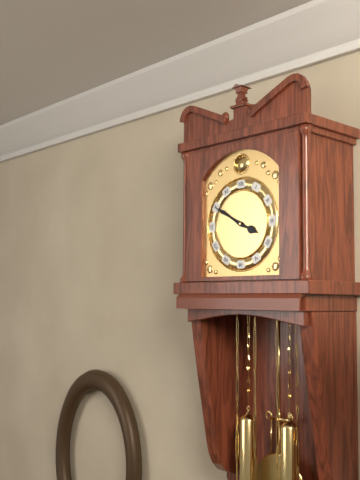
3 h 50 min
